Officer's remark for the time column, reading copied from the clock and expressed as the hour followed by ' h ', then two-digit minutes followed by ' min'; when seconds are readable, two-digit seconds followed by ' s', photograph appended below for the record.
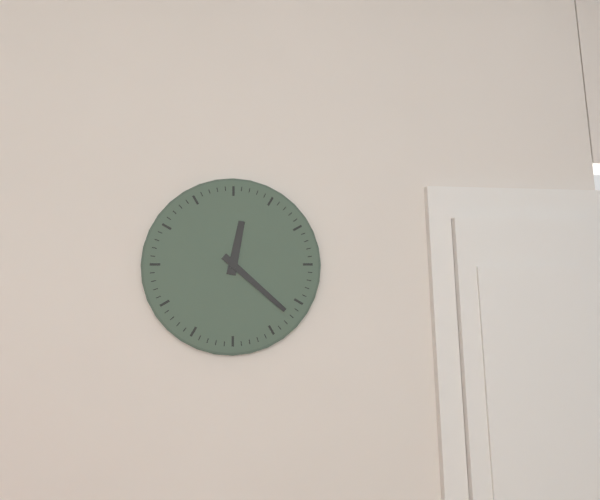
12 h 22 min
